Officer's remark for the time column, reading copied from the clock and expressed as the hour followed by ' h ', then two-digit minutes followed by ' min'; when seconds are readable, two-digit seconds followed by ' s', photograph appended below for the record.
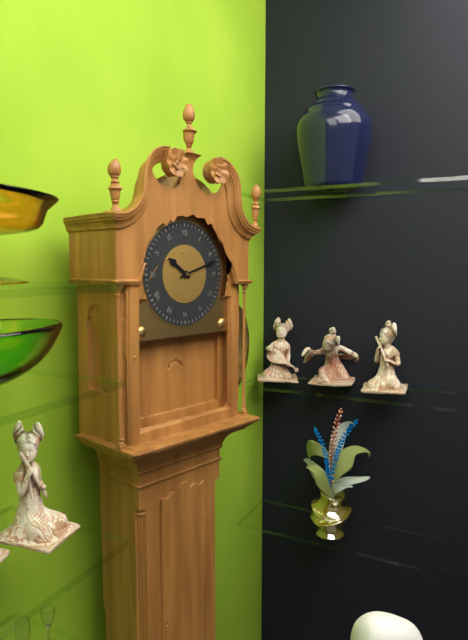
10 h 12 min
